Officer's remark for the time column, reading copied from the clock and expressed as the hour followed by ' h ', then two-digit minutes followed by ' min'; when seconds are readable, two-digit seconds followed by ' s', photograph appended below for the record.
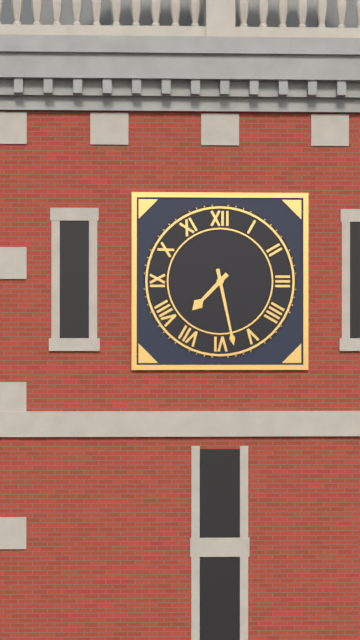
7 h 28 min
